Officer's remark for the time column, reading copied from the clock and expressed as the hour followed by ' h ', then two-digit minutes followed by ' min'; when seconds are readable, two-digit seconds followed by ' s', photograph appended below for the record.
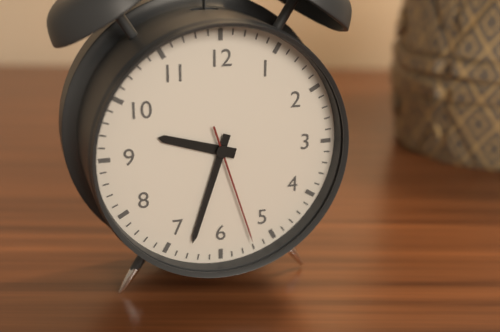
9 h 33 min 27 s
